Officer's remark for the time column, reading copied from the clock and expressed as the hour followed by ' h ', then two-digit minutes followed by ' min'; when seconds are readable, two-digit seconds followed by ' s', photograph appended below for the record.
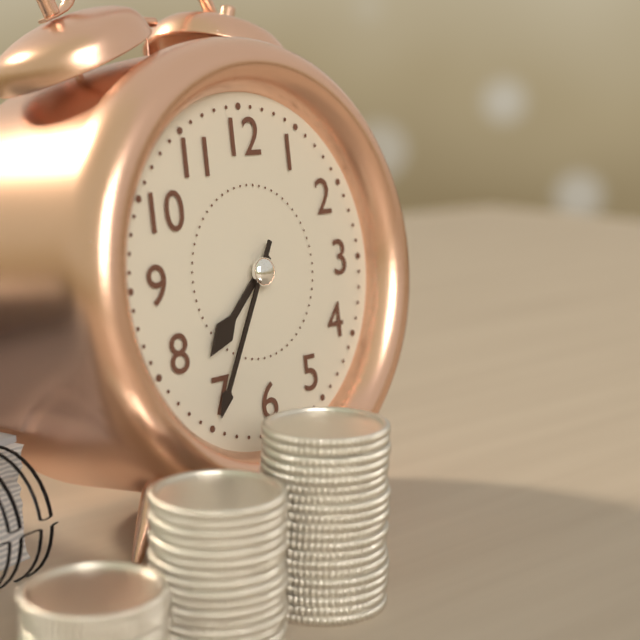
7 h 35 min
